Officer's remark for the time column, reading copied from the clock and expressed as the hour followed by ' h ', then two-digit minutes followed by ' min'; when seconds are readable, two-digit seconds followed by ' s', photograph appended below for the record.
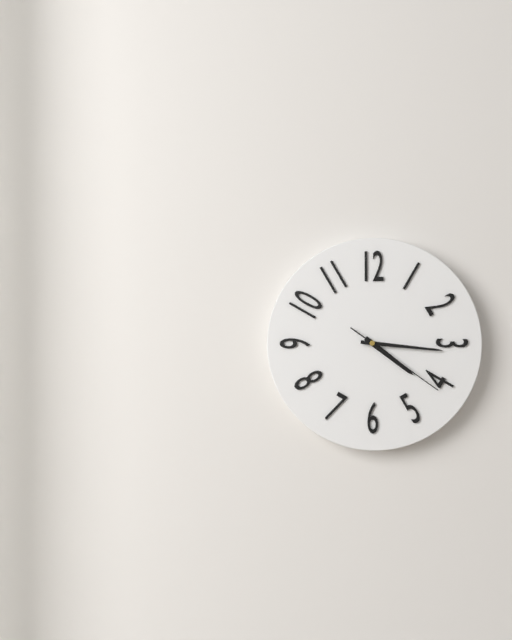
4 h 16 min 21 s
